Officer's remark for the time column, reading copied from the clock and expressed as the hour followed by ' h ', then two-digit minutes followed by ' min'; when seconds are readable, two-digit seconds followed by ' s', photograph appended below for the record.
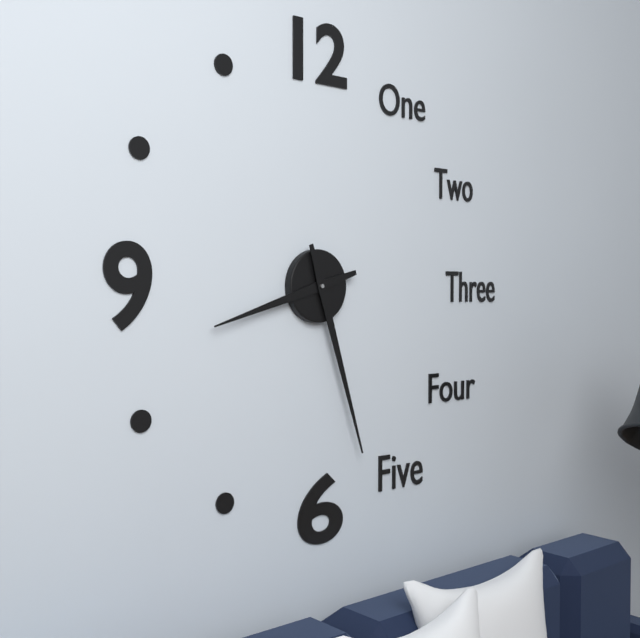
8 h 27 min
